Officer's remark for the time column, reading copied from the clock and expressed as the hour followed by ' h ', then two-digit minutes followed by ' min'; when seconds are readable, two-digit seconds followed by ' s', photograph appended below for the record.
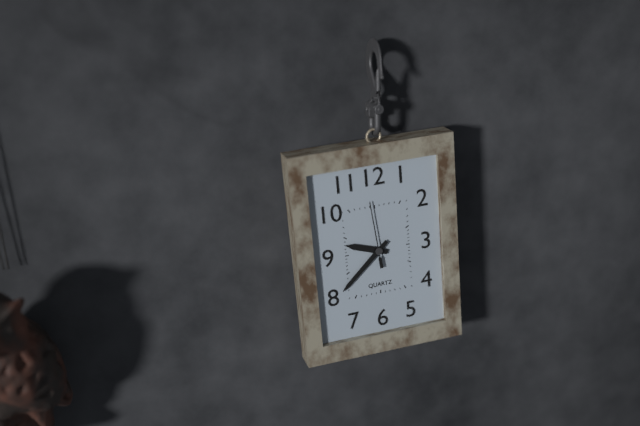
9 h 38 min 59 s
